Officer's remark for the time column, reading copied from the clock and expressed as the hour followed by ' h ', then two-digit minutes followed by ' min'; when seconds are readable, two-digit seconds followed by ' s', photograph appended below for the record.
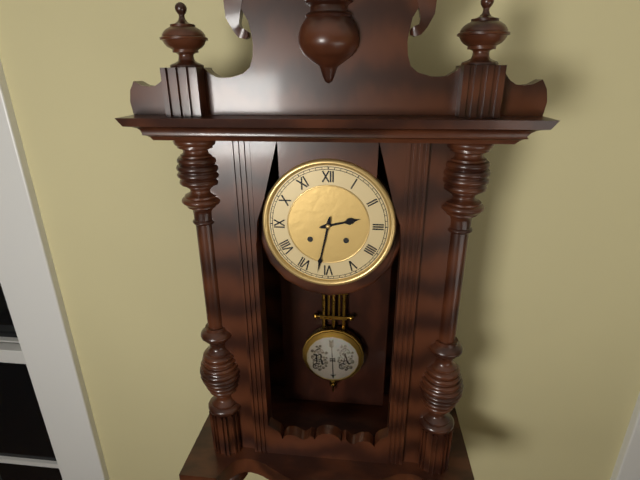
2 h 32 min
